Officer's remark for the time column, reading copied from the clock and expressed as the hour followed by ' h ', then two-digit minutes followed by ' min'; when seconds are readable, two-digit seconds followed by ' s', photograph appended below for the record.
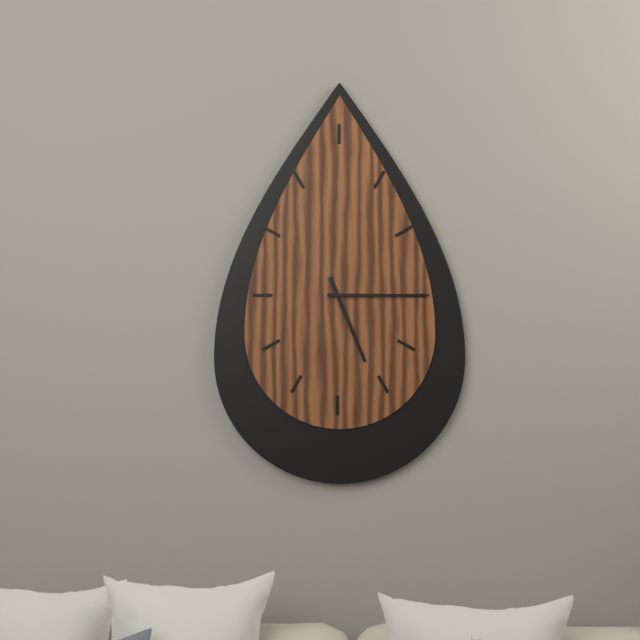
5 h 15 min
